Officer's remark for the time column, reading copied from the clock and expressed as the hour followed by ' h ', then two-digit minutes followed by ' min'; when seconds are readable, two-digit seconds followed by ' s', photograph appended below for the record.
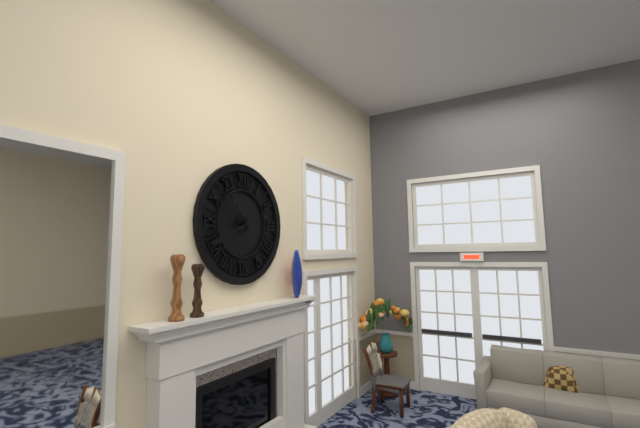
10 h 41 min
